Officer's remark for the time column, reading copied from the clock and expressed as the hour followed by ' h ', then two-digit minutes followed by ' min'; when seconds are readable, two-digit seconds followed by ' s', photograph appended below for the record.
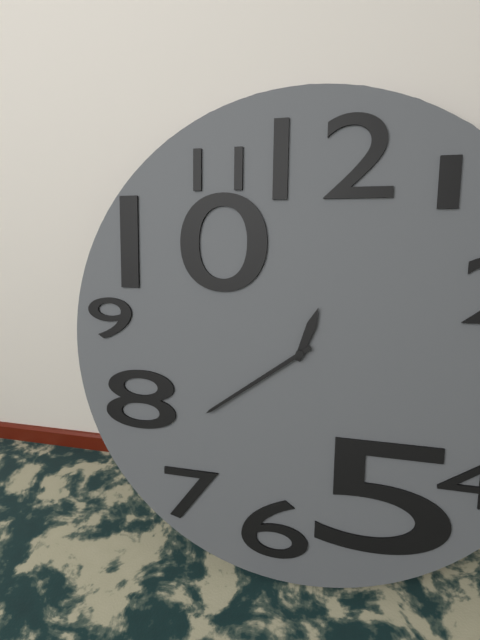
12 h 39 min
